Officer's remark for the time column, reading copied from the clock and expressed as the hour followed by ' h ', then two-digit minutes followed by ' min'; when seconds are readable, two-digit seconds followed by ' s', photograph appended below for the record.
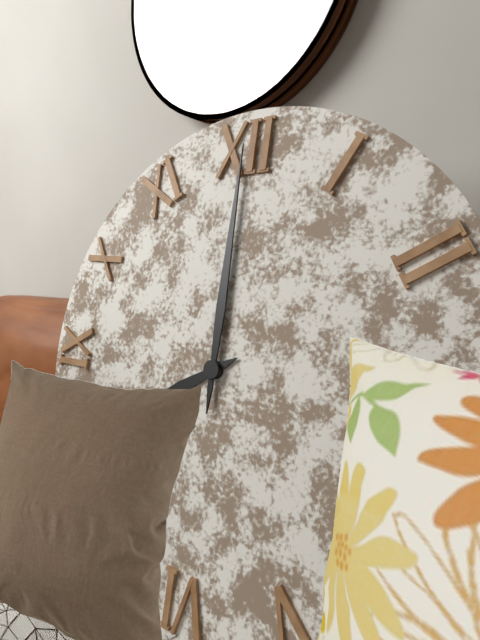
8 h 00 min
